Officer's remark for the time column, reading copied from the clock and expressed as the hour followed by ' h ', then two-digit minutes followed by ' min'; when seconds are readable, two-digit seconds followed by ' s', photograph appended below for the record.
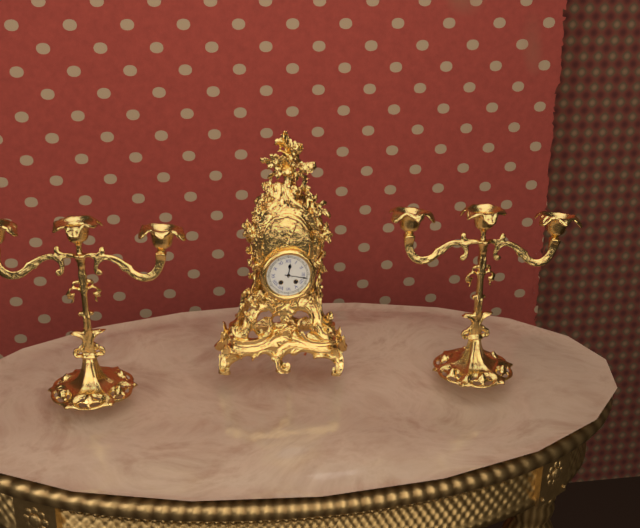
12 h 17 min
